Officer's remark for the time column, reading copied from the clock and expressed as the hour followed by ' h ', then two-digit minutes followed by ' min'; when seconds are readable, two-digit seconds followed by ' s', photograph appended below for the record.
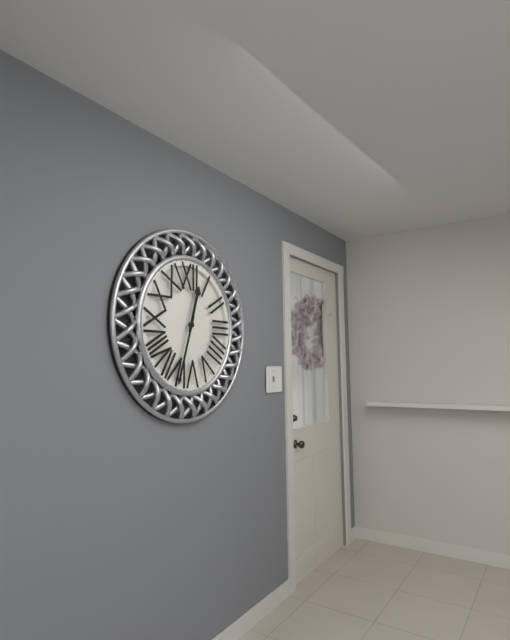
12 h 33 min
